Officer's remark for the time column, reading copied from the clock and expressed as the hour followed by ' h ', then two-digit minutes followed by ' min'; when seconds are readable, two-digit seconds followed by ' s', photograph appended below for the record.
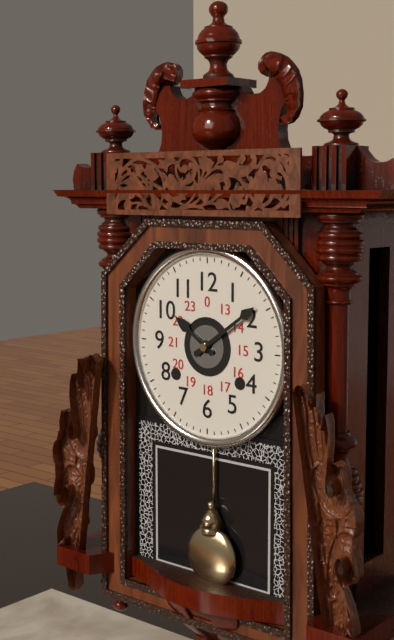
10 h 09 min
